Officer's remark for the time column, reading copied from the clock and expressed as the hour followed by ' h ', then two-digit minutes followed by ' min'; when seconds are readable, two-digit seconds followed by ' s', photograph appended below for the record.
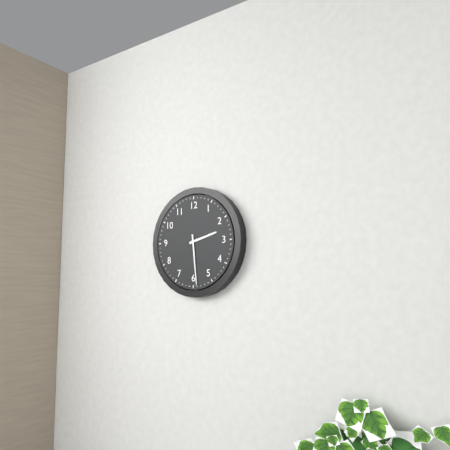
2 h 29 min
